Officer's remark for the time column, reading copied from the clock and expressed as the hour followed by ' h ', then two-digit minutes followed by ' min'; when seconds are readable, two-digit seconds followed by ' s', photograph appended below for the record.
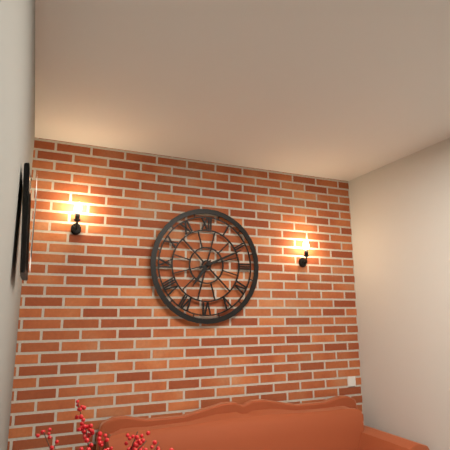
7 h 11 min
